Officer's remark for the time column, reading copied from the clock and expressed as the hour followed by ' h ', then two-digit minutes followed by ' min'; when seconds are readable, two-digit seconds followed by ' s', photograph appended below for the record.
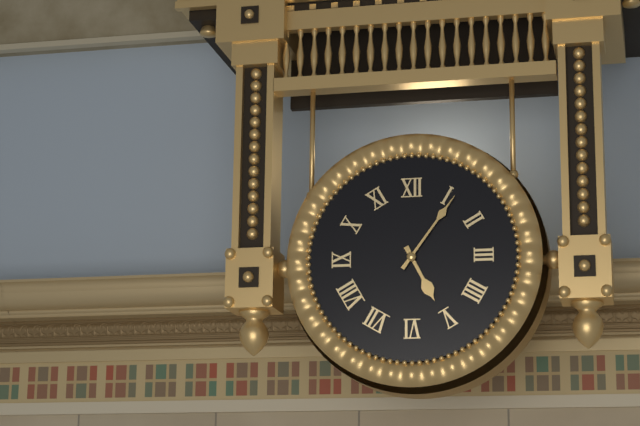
5 h 06 min
